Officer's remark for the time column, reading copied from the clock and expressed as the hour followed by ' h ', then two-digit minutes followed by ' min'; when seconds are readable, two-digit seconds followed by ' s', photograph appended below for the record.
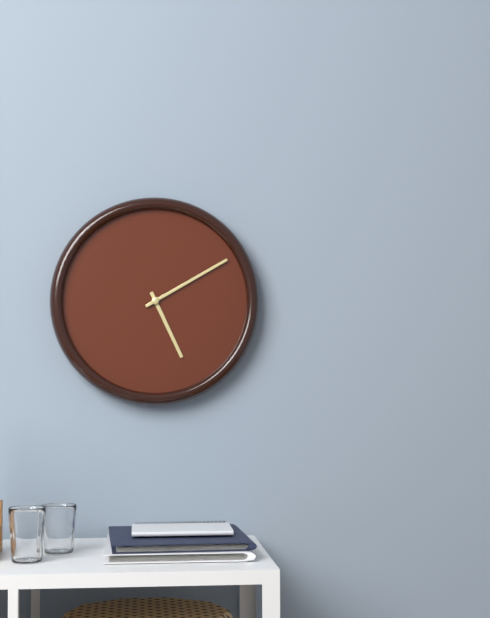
5 h 10 min
